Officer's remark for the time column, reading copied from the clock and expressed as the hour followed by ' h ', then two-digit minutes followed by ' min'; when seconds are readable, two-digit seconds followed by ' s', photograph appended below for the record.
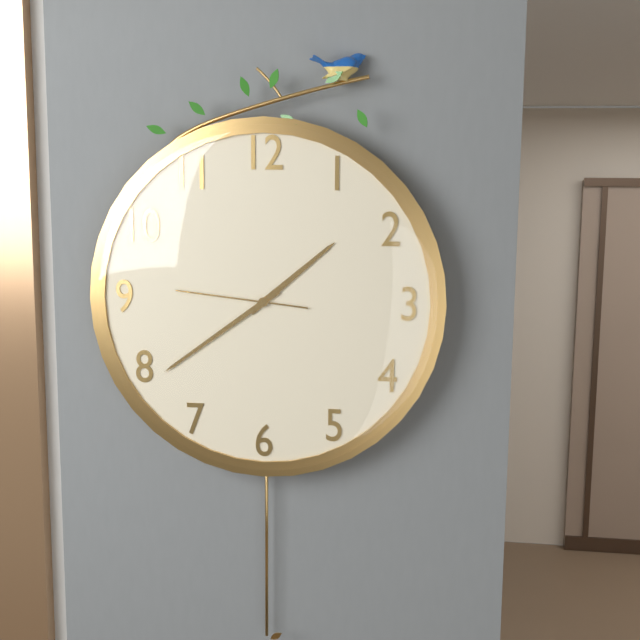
1 h 39 min 46 s
